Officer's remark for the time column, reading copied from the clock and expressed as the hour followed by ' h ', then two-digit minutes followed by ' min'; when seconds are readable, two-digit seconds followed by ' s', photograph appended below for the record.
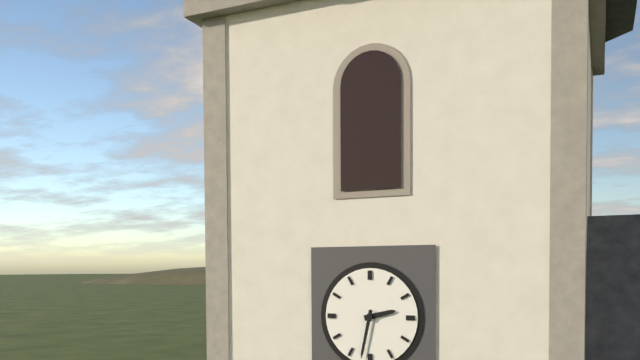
2 h 32 min
